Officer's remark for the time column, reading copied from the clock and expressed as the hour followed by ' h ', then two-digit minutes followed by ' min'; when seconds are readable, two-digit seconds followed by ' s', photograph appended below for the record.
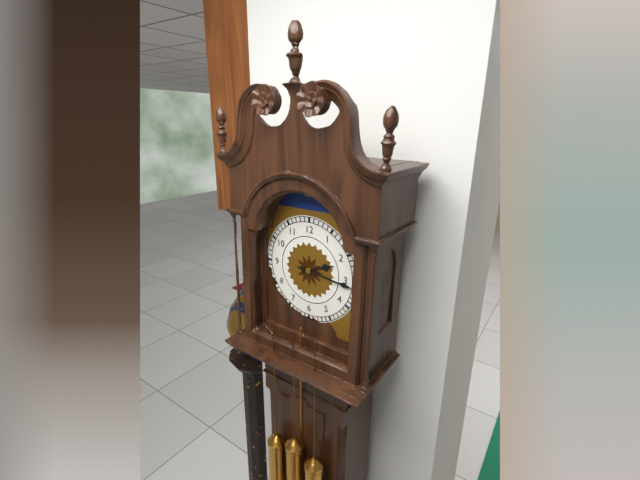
2 h 16 min
